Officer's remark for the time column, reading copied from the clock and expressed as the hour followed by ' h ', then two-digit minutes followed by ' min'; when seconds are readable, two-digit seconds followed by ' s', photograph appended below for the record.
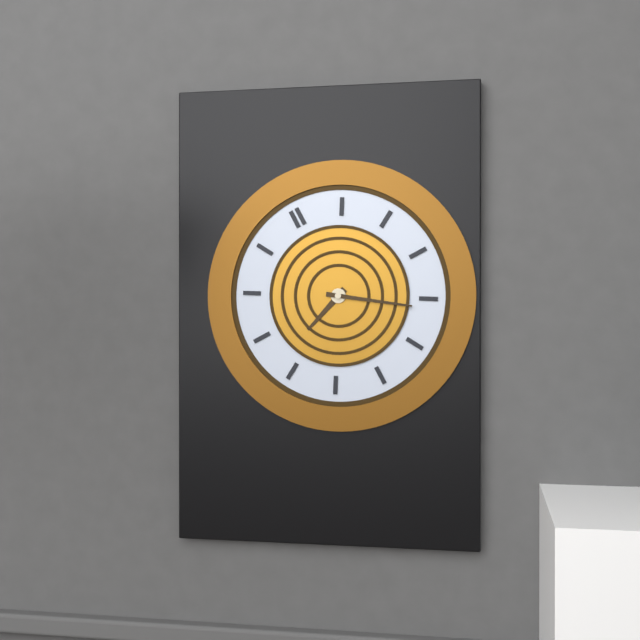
8 h 21 min
